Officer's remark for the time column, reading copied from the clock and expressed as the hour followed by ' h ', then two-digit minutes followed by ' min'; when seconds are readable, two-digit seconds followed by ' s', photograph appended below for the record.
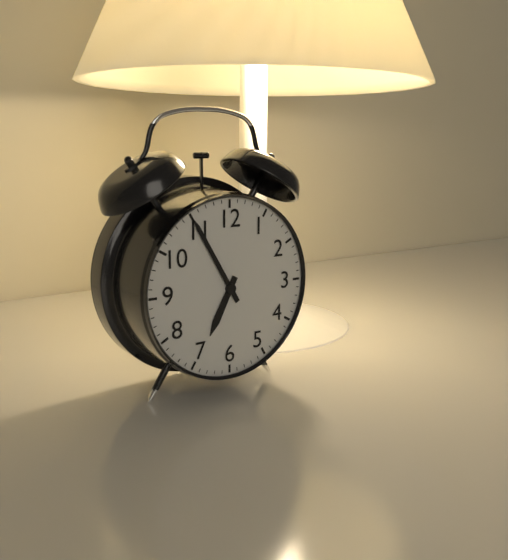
6 h 55 min
